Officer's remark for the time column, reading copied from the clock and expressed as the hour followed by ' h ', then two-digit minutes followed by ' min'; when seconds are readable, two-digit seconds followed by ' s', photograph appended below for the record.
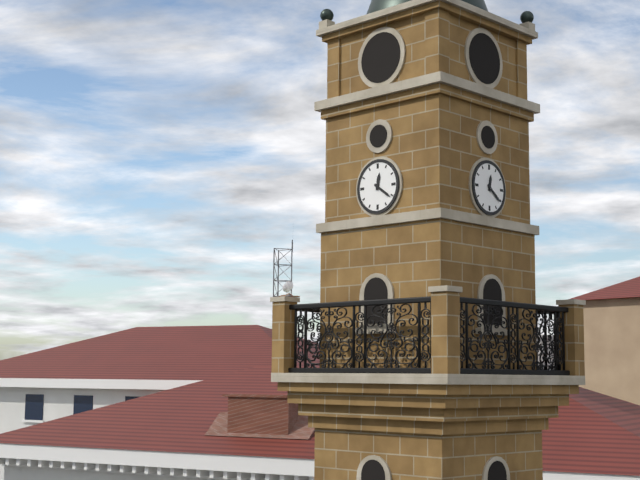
12 h 21 min
